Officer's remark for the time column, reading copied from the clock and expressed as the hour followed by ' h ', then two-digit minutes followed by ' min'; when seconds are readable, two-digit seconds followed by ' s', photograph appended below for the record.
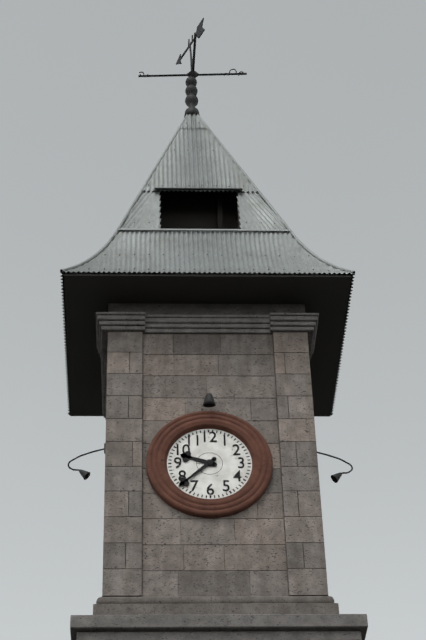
9 h 38 min
